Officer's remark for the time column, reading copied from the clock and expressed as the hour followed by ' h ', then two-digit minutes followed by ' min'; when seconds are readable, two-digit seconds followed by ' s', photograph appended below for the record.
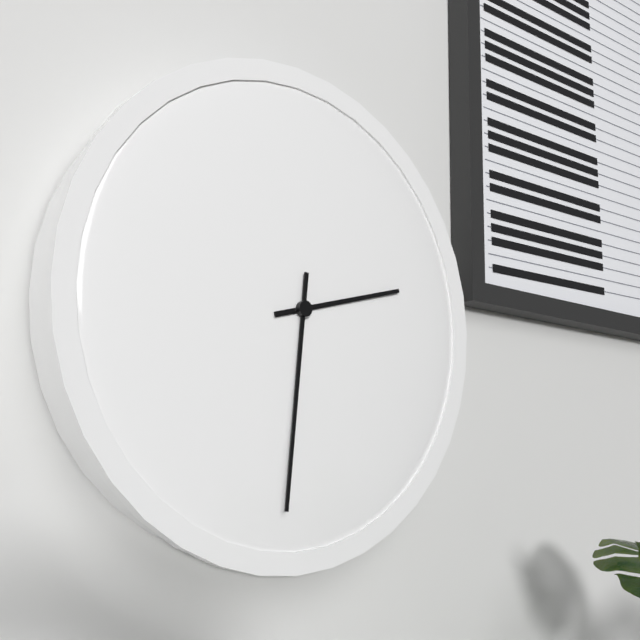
2 h 31 min
